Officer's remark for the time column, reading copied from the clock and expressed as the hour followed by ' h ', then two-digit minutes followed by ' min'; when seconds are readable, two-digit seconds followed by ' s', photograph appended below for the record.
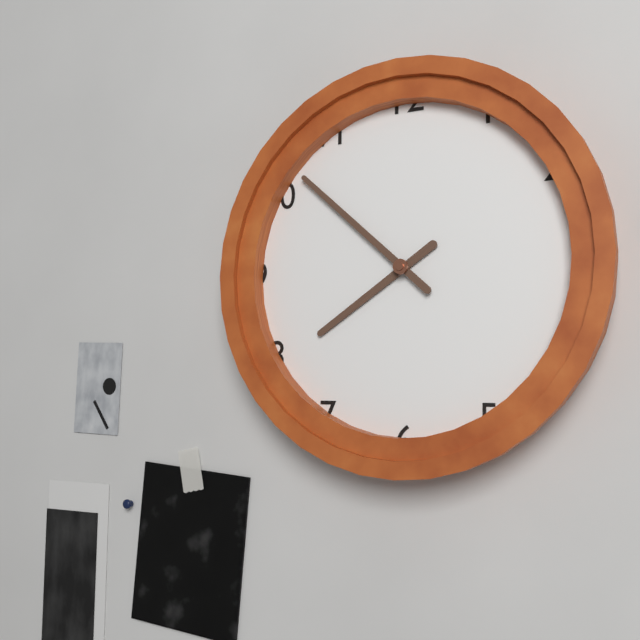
7 h 52 min
